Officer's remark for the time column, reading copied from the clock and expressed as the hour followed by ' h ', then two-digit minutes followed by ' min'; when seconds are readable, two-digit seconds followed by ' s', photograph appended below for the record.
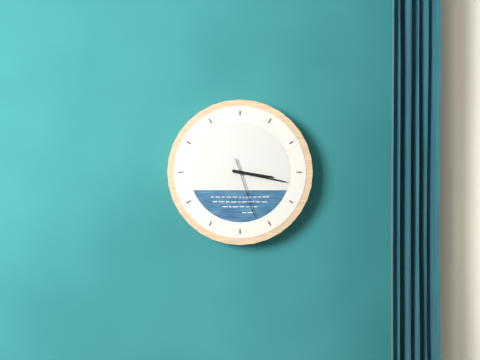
3 h 17 min 27 s
